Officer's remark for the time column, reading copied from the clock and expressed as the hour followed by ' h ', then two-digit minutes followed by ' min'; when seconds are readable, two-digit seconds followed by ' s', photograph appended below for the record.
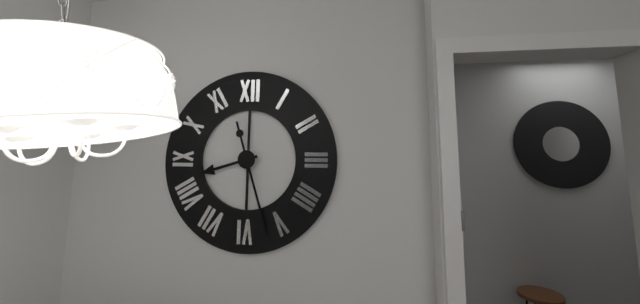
8 h 27 min
